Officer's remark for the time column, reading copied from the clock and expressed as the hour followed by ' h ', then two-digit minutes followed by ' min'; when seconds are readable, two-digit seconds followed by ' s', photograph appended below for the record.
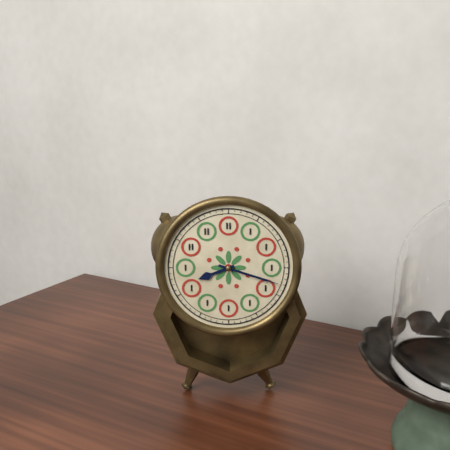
8 h 18 min
